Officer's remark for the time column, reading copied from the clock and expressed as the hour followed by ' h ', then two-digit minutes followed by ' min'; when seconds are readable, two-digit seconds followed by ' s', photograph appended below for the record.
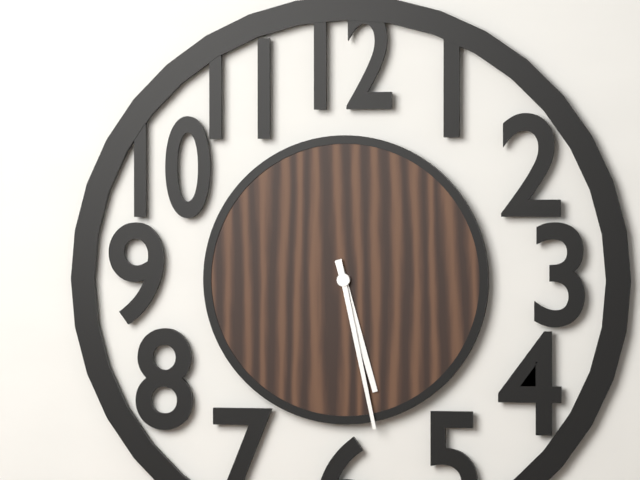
5 h 28 min
